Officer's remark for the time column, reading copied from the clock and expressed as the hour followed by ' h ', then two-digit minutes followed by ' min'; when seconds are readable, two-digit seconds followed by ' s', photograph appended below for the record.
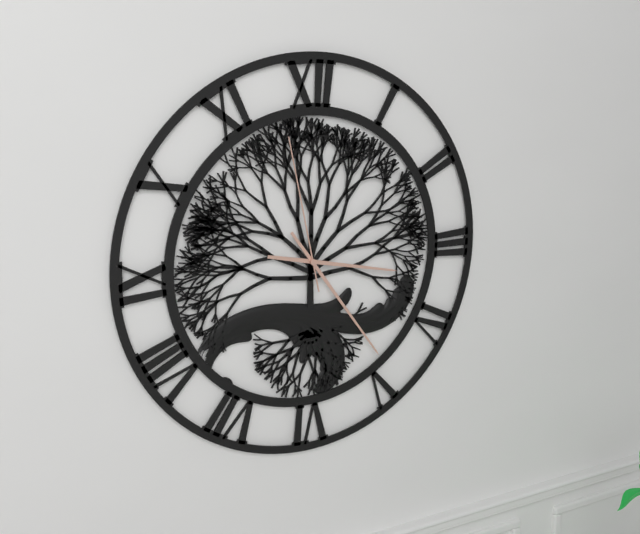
3 h 24 min 58 s
